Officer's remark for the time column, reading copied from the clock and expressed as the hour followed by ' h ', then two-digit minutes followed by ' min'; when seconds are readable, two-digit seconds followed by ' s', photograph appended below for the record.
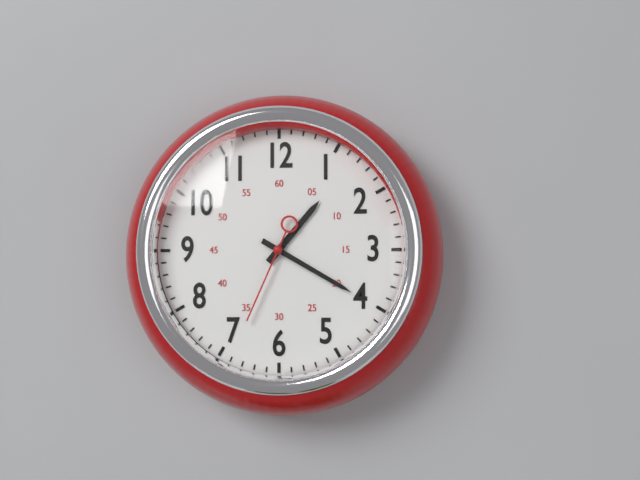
1 h 20 min 34 s
